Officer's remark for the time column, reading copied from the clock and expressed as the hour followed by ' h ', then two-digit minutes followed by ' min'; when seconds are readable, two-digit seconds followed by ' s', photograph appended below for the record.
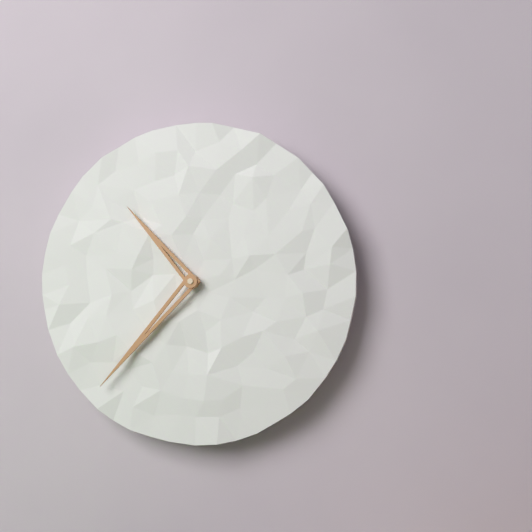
10 h 37 min
